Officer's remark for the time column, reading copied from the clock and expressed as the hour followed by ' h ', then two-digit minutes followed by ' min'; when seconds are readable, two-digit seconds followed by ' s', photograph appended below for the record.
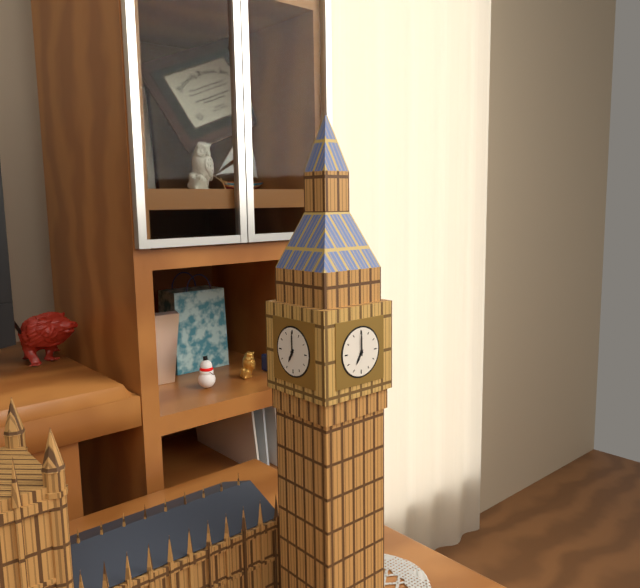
7 h 00 min
